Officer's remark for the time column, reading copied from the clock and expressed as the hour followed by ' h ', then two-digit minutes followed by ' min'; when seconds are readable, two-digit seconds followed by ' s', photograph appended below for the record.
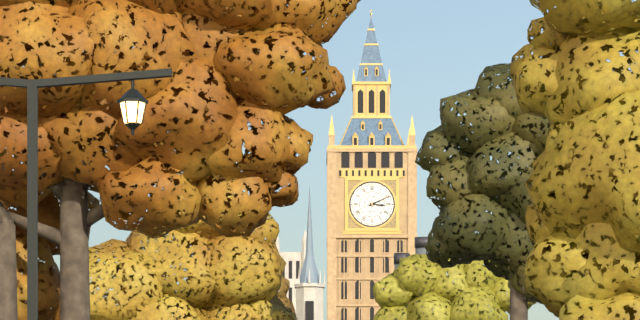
3 h 11 min
